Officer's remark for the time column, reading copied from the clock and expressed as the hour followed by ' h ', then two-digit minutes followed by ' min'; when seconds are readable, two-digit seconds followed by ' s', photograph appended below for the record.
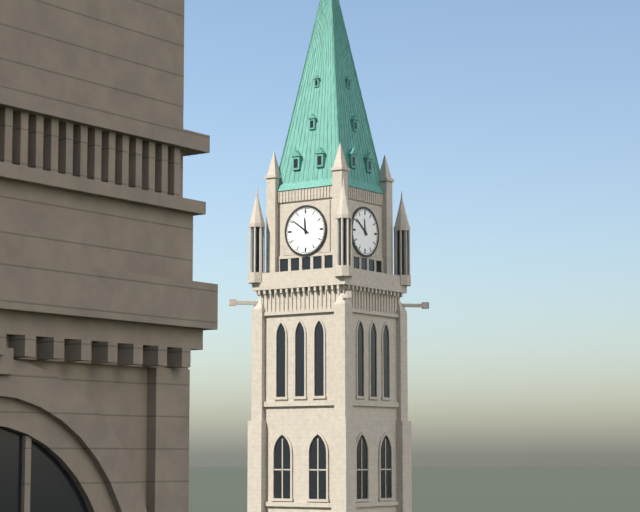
11 h 51 min
